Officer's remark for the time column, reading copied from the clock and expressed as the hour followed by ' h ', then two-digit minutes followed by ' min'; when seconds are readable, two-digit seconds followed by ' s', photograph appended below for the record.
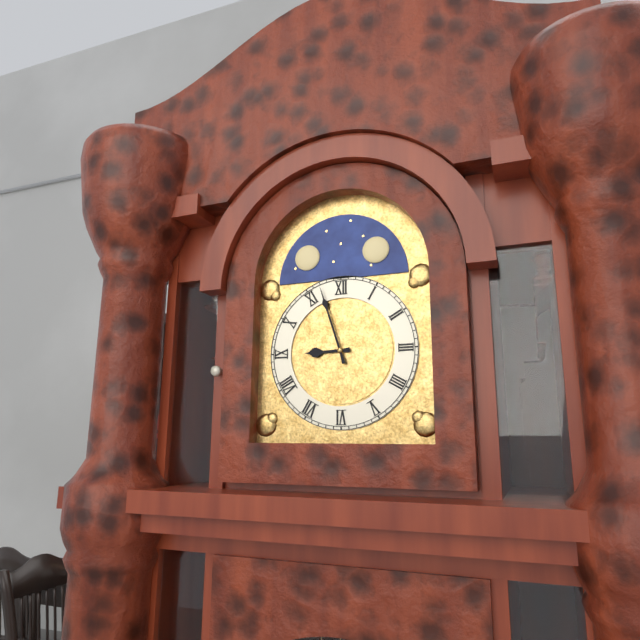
8 h 57 min
